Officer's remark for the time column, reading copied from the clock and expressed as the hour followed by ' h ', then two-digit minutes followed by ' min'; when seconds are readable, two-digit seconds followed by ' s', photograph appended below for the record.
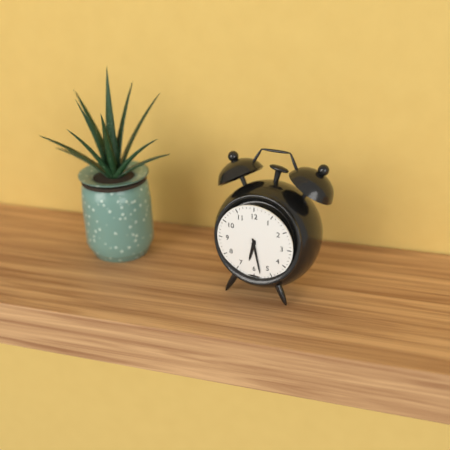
6 h 28 min
